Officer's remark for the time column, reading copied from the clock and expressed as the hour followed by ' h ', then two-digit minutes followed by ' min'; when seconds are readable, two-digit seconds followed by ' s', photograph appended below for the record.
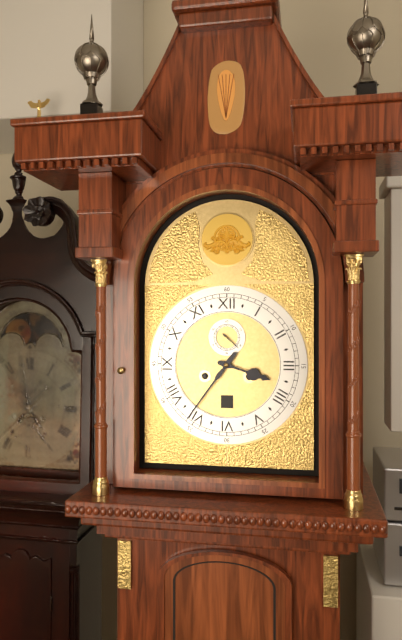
3 h 36 min
